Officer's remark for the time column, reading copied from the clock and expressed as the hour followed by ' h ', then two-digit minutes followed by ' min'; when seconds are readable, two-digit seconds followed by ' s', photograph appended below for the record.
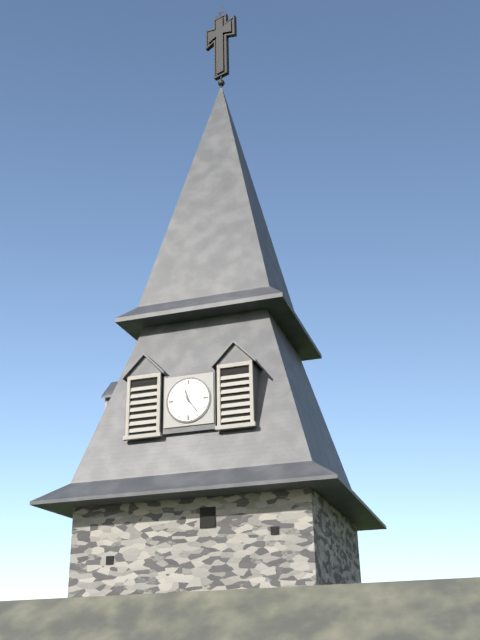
11 h 24 min
